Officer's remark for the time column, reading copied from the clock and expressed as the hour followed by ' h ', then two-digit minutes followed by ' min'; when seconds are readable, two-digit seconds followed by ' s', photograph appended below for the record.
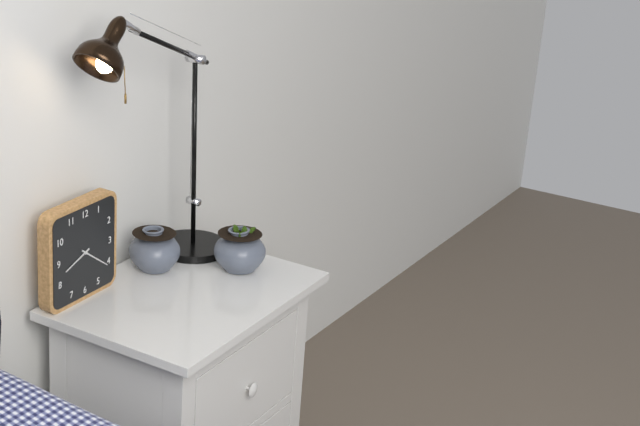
8 h 21 min
